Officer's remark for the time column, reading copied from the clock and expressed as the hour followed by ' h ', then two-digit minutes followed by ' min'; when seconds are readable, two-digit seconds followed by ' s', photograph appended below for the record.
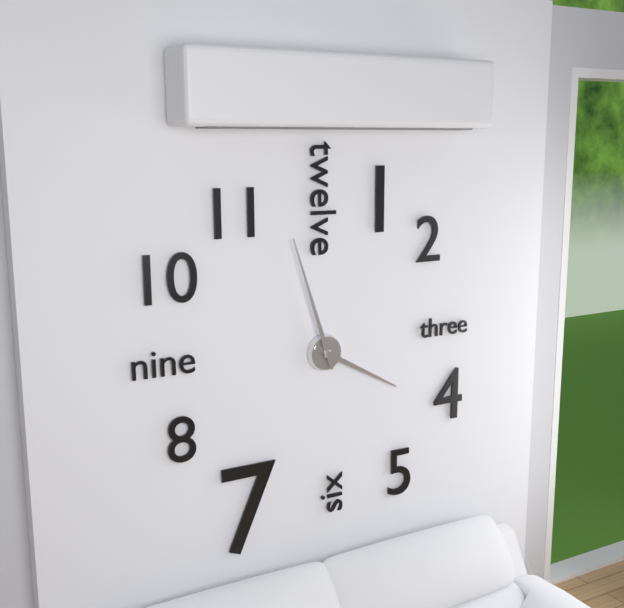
3 h 57 min
